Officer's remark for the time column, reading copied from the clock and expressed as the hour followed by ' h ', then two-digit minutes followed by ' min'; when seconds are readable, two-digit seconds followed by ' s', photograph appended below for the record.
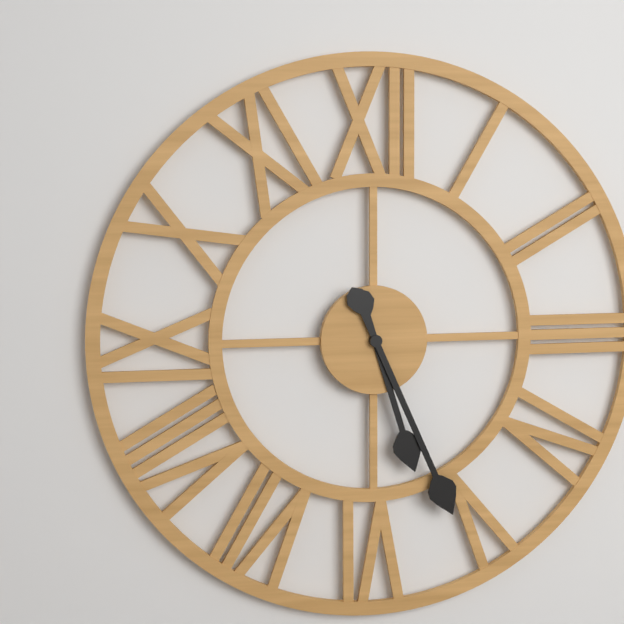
5 h 26 min
